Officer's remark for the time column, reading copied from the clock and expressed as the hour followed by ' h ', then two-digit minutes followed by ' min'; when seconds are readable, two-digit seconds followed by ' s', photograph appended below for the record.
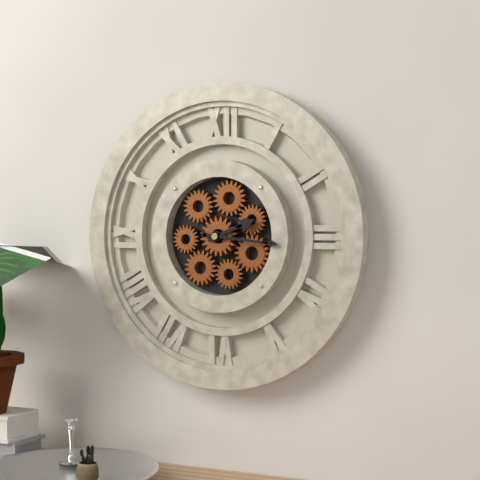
2 h 16 min
